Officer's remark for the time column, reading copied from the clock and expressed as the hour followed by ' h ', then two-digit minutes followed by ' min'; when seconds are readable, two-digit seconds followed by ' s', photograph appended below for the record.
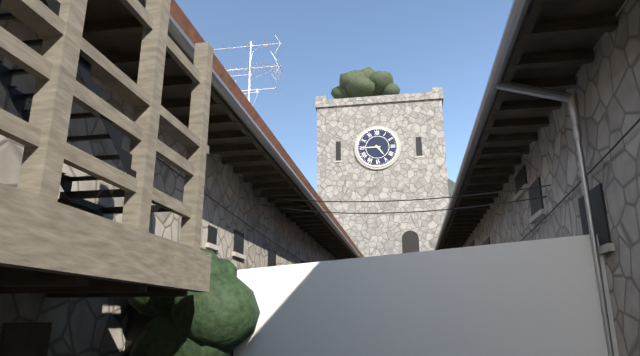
4 h 45 min
